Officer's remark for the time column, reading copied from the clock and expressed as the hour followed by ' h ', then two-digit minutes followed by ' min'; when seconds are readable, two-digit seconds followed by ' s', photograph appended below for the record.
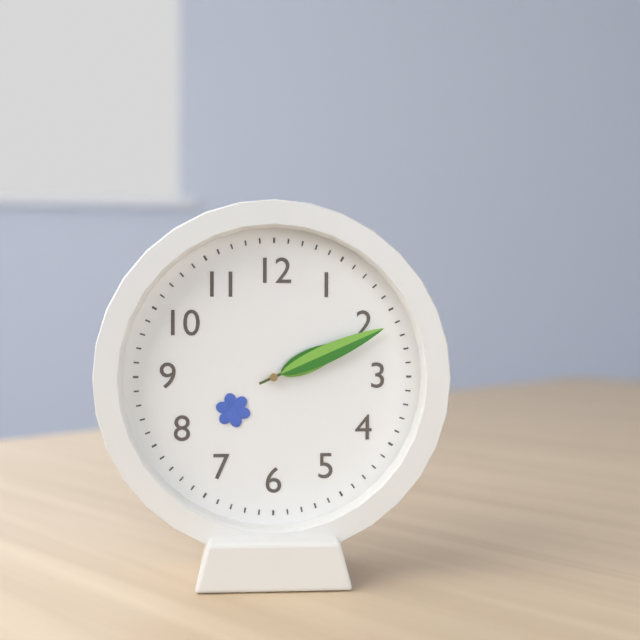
2 h 11 min
